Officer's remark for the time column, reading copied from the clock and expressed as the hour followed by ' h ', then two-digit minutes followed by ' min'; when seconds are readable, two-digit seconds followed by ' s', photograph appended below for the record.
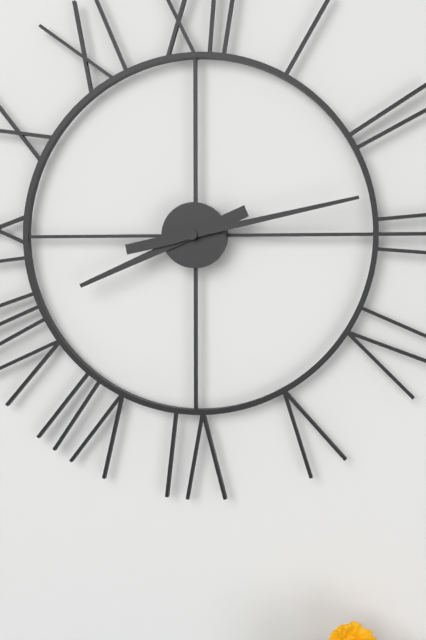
8 h 13 min
